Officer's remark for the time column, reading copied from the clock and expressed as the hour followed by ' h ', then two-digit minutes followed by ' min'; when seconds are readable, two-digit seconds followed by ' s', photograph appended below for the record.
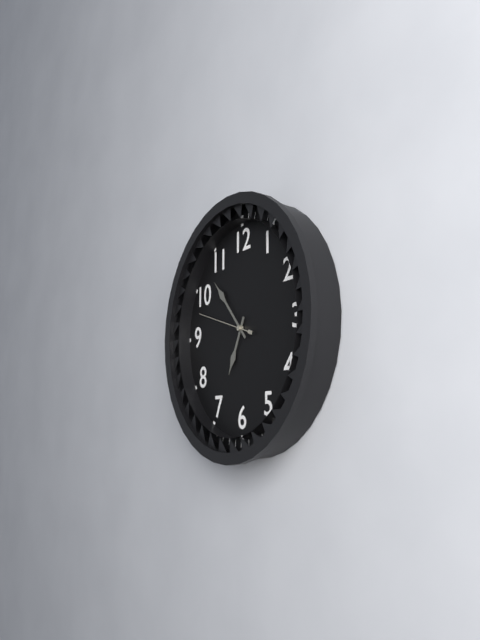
6 h 53 min 48 s
